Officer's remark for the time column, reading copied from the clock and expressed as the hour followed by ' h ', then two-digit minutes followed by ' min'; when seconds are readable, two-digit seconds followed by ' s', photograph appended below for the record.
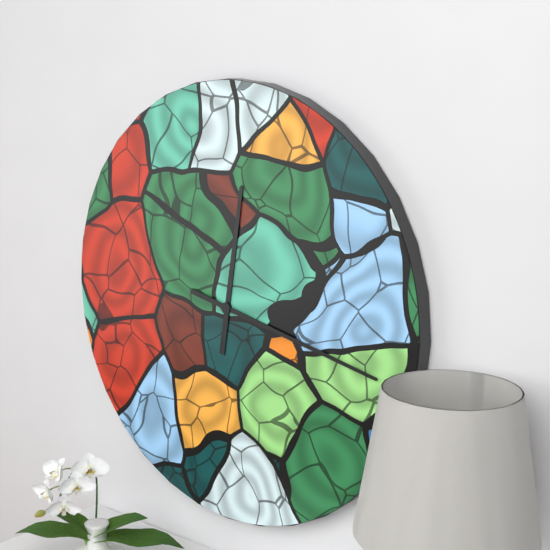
12 h 17 min
